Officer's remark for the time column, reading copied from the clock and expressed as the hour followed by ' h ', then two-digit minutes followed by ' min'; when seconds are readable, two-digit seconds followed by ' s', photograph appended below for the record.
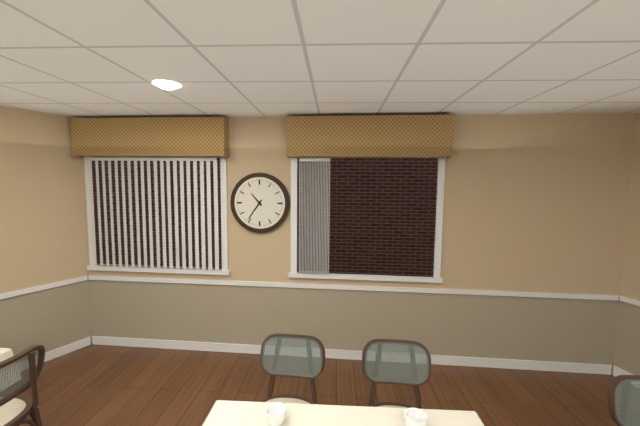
10 h 36 min
